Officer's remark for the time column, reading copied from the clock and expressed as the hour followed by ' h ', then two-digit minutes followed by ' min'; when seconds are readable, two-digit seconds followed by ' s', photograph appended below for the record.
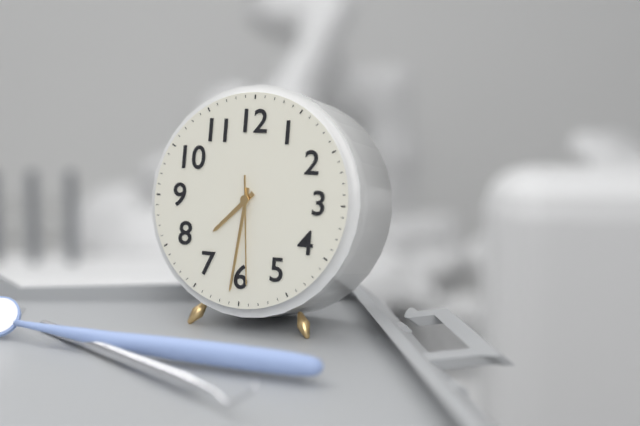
7 h 31 min 29 s
